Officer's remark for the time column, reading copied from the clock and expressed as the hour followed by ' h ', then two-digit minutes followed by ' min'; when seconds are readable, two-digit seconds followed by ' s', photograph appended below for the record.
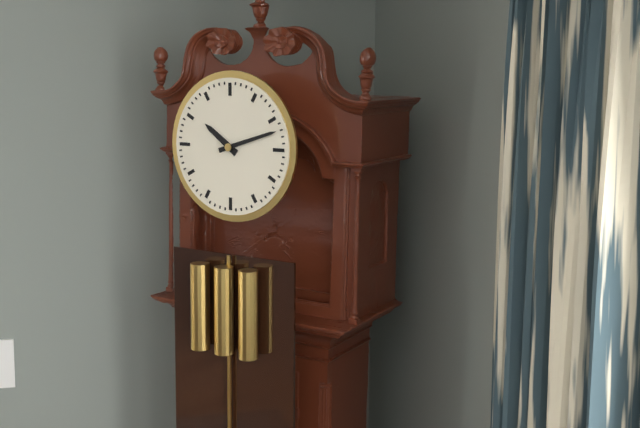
10 h 12 min
